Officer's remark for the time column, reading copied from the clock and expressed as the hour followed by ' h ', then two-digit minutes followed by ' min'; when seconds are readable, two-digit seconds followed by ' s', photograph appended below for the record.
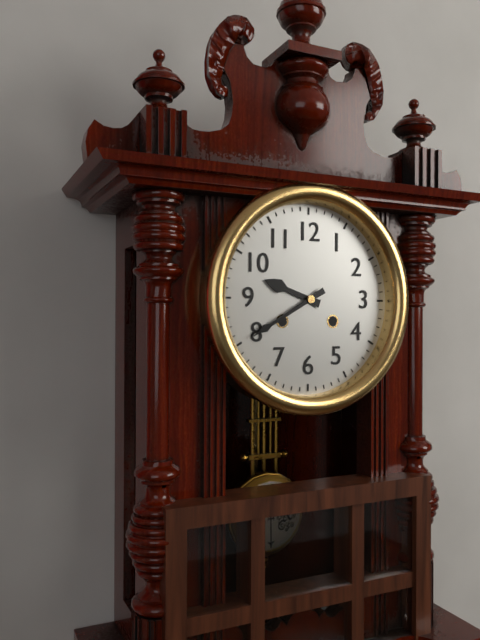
9 h 40 min
